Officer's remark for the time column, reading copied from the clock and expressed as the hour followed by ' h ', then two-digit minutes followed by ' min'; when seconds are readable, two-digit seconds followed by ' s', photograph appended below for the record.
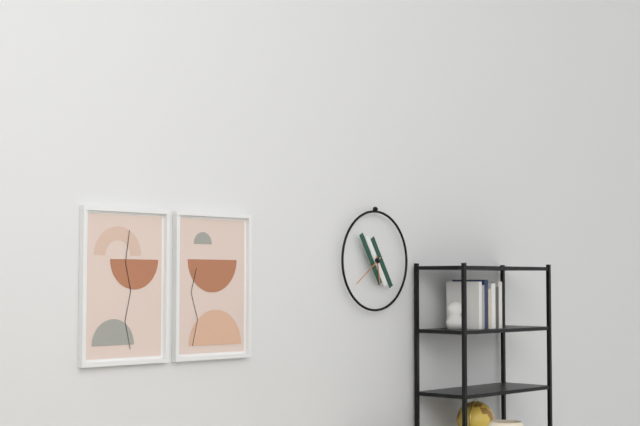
5 h 39 min
